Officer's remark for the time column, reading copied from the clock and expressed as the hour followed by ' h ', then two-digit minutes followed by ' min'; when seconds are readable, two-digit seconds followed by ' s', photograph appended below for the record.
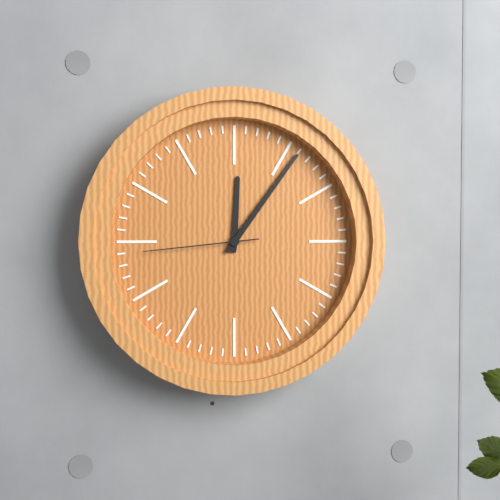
12 h 06 min 44 s
